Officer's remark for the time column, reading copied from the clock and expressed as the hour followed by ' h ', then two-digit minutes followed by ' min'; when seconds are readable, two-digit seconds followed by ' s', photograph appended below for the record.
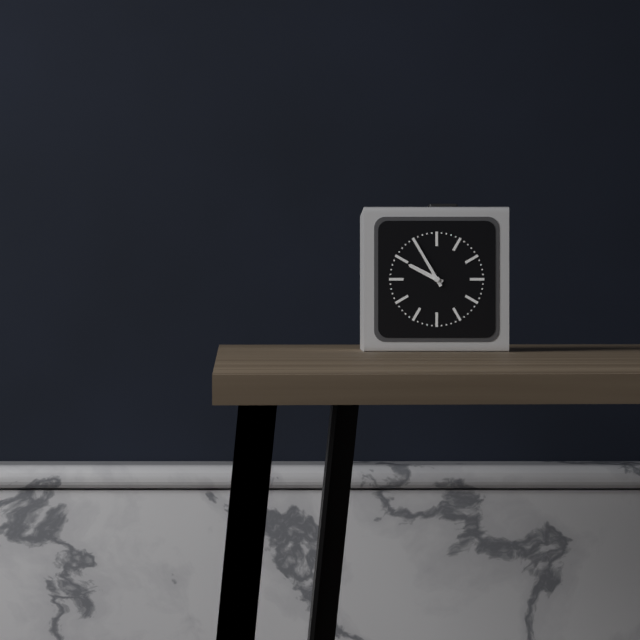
9 h 55 min
